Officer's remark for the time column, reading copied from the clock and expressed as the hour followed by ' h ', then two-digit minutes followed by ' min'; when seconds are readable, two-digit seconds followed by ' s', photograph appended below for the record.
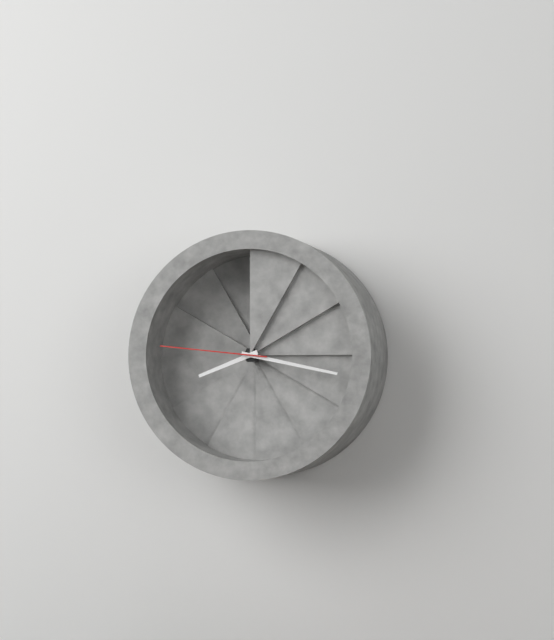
8 h 17 min 46 s
